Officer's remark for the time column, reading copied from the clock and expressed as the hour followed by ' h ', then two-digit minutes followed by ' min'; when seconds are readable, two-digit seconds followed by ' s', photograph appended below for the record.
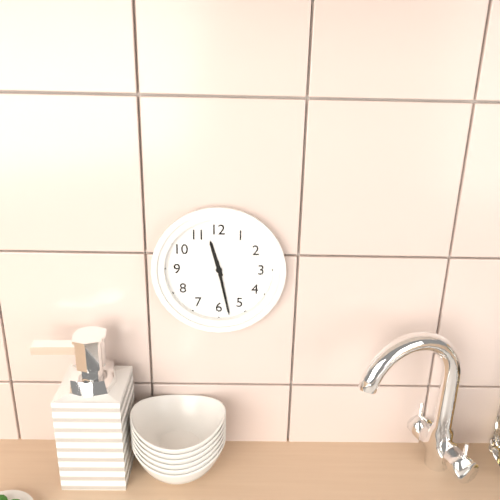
11 h 28 min
